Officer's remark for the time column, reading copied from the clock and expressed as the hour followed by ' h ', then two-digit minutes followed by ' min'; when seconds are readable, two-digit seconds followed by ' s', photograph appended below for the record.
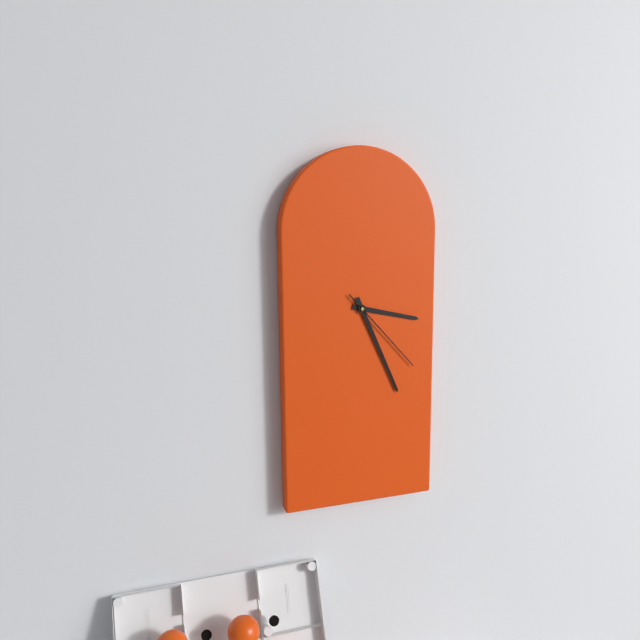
3 h 26 min 23 s
